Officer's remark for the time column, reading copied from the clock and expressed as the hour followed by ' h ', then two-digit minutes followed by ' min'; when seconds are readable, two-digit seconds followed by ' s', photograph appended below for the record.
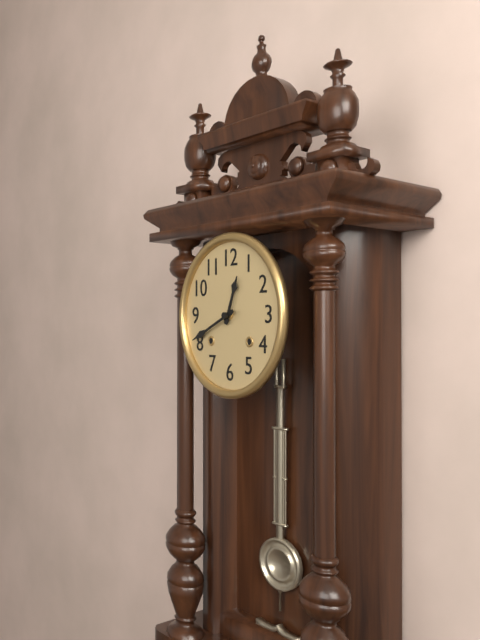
12 h 41 min
